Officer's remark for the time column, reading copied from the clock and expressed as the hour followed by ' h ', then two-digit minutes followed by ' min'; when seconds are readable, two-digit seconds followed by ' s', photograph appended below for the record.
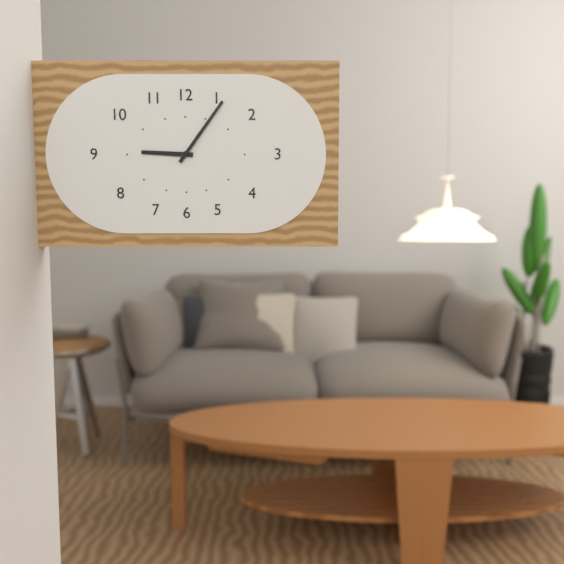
9 h 06 min
